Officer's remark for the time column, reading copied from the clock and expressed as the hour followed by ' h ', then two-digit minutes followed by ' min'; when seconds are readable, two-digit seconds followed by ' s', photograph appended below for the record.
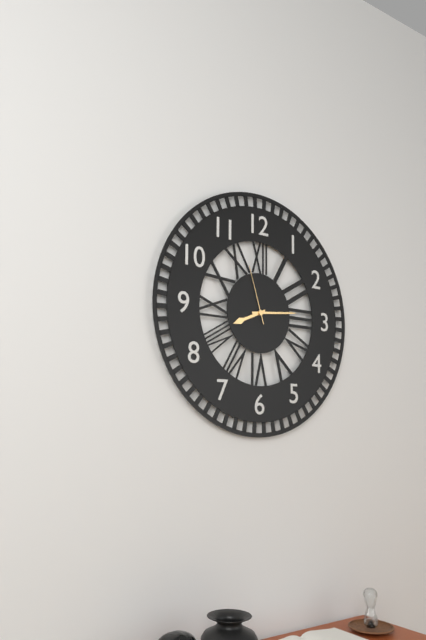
8 h 14 min 57 s
